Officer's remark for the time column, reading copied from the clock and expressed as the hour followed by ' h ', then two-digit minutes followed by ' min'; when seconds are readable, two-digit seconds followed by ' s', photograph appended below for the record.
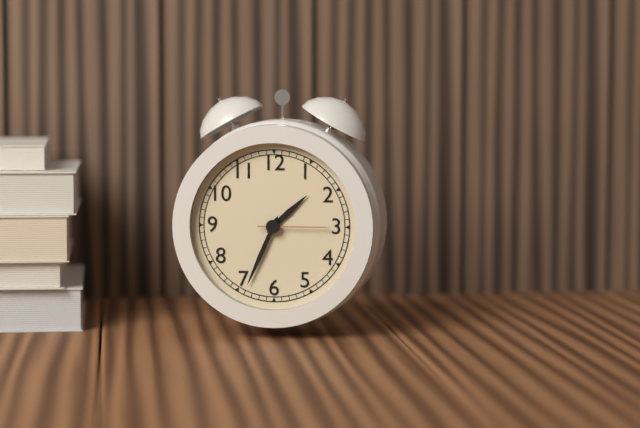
1 h 34 min 15 s
